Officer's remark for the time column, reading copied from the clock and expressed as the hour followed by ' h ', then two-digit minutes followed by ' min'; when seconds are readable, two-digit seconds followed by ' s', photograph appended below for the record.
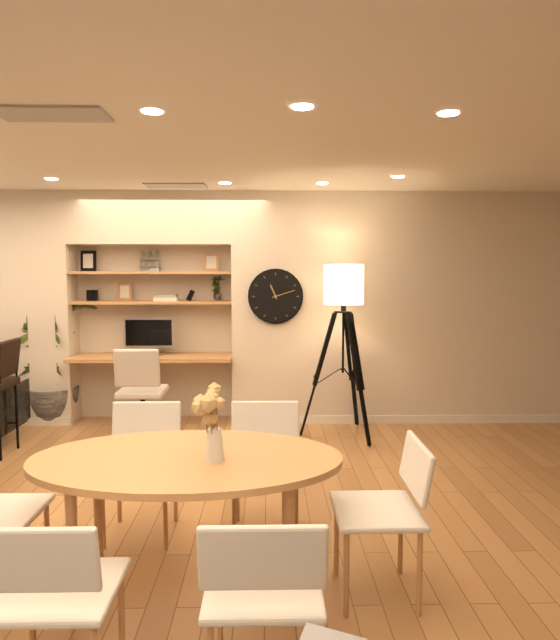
11 h 12 min
